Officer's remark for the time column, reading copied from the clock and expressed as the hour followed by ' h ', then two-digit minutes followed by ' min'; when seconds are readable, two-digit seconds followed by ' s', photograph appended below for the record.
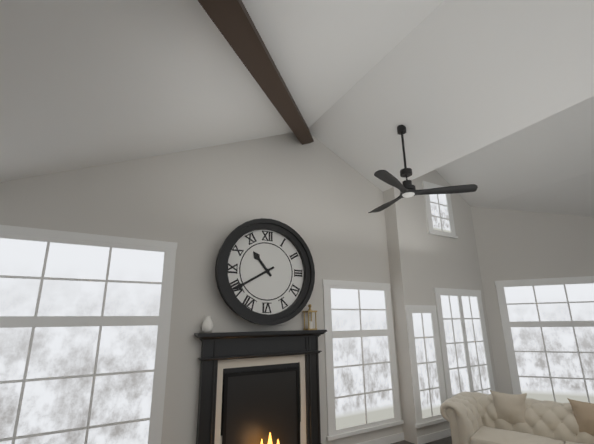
10 h 40 min
